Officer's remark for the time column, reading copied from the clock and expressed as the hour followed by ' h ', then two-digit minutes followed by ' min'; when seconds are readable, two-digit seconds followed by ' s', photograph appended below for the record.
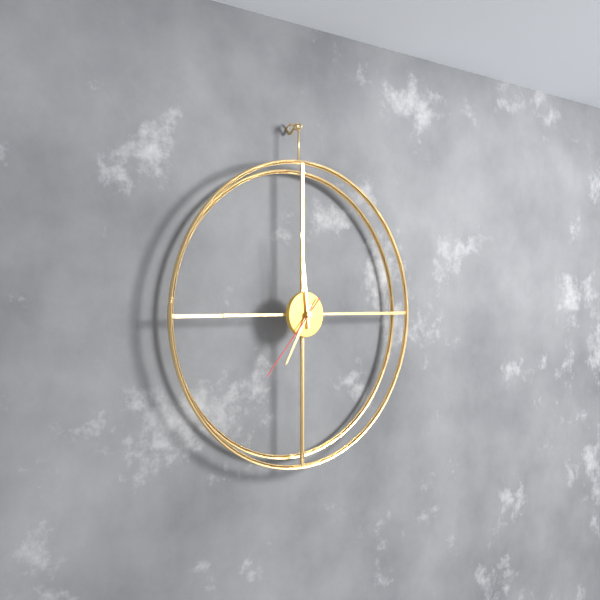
6 h 59 min 37 s
